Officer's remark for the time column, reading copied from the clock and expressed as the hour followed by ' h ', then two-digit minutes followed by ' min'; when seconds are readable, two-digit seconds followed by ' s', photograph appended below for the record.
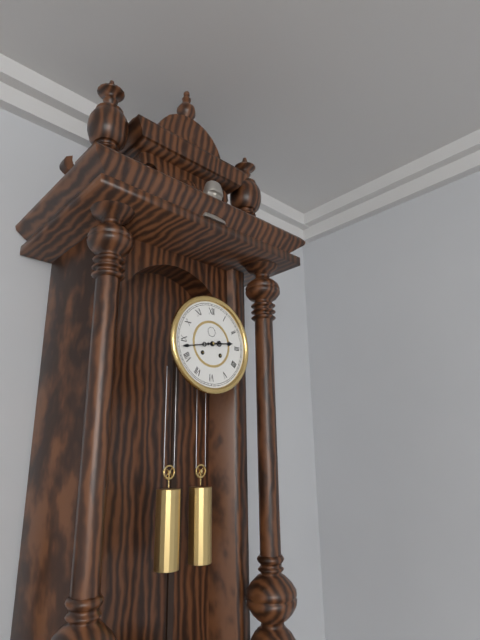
2 h 43 min
